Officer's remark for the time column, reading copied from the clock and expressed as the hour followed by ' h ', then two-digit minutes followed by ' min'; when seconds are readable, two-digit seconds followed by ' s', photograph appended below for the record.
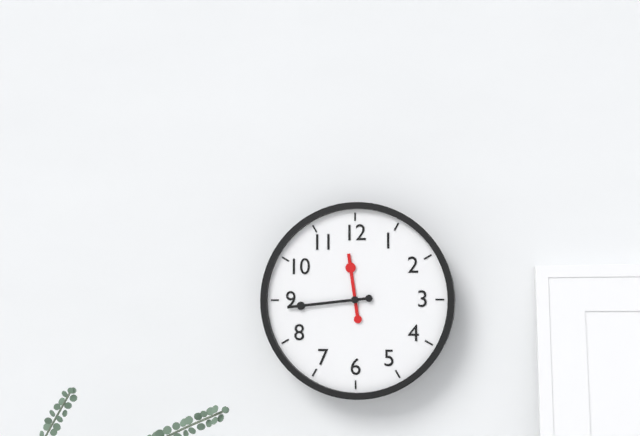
11 h 44 min
